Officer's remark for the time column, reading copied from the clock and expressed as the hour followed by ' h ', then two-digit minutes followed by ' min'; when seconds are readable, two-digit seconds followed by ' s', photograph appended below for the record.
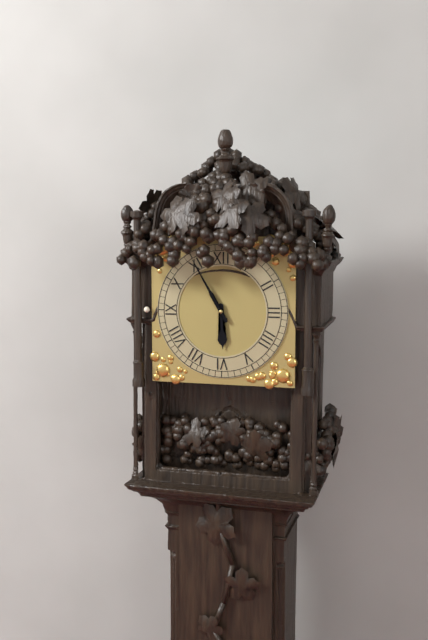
5 h 55 min
